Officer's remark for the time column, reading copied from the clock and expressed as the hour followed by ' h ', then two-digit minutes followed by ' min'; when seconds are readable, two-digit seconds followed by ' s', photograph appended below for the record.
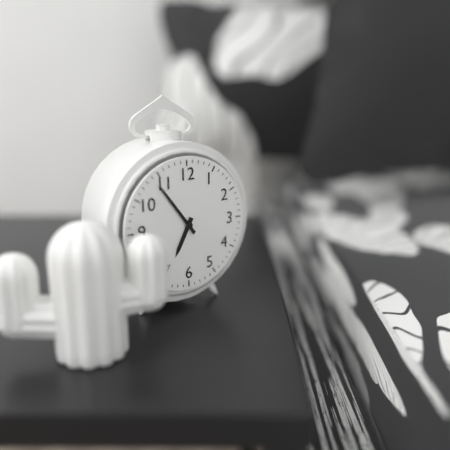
6 h 54 min
